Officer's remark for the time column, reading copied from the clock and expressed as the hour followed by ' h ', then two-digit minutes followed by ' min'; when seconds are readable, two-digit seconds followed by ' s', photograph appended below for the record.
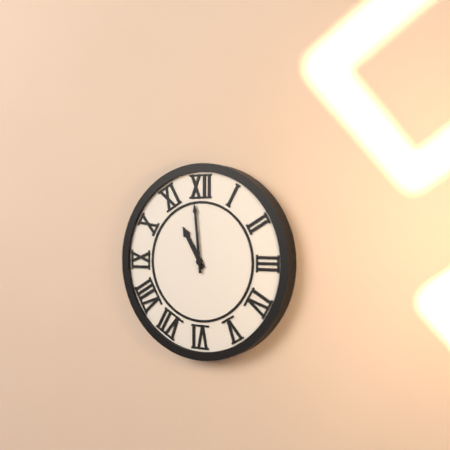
10 h 59 min
